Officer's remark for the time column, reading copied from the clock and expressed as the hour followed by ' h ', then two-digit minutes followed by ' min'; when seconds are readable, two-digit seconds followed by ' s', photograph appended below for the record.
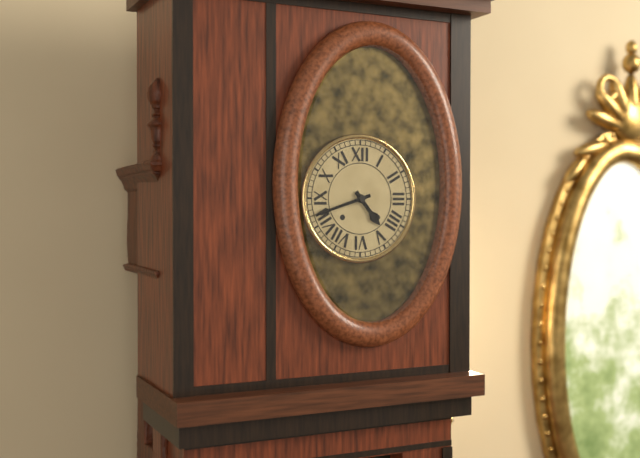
4 h 42 min
